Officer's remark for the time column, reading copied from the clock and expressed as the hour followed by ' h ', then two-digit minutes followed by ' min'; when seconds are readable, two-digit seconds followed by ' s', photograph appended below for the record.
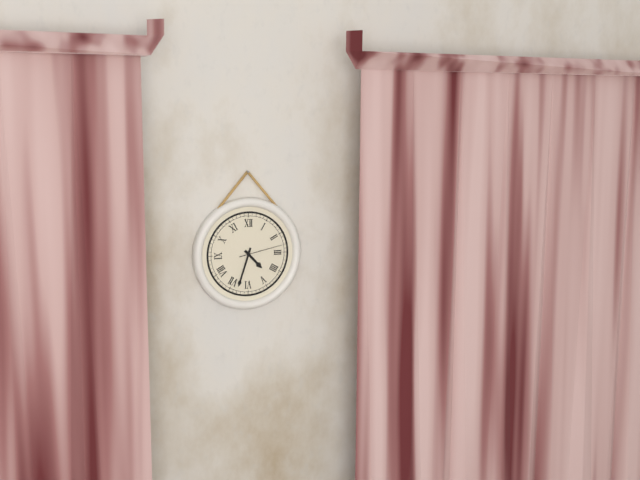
4 h 33 min
